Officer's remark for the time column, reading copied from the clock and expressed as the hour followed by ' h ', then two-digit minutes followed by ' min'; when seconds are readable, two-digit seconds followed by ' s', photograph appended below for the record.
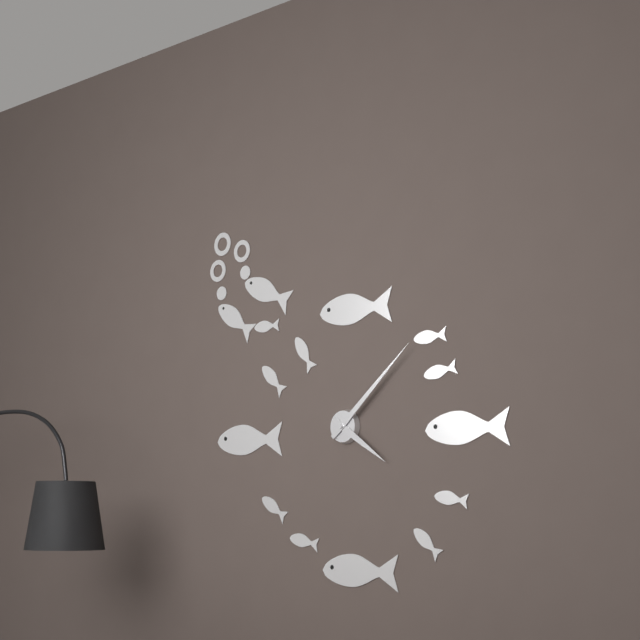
4 h 08 min
